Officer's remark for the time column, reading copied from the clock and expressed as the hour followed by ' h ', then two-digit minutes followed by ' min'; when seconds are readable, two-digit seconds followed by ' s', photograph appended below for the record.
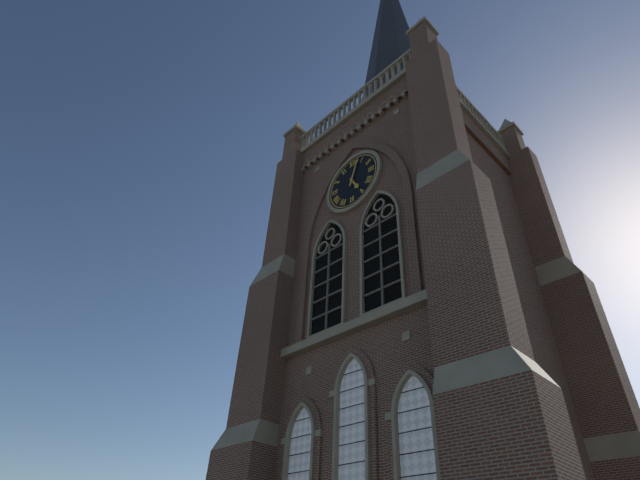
5 h 03 min
